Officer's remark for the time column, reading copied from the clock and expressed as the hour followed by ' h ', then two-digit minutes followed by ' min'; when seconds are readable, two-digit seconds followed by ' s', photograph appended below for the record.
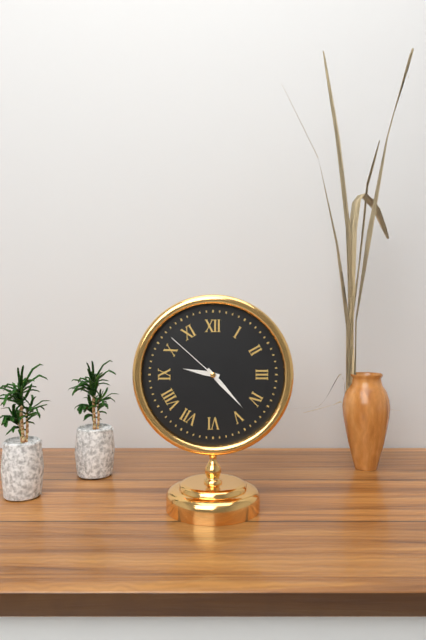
9 h 23 min 52 s
